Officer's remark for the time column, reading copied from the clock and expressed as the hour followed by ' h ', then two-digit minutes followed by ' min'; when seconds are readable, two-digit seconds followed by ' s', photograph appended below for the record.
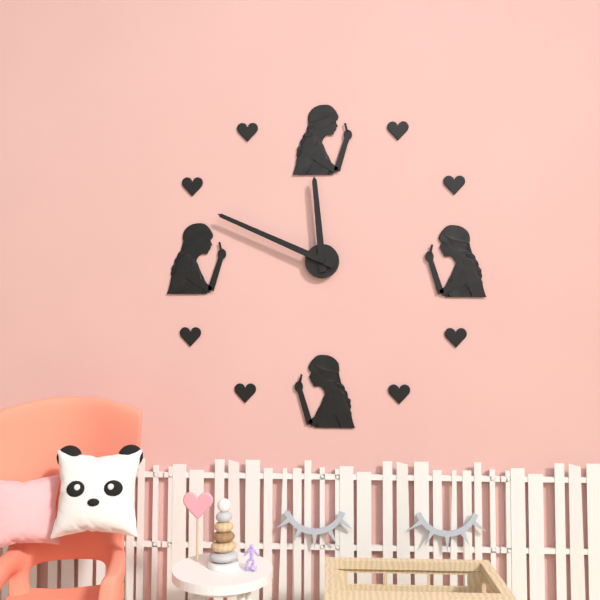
11 h 49 min
